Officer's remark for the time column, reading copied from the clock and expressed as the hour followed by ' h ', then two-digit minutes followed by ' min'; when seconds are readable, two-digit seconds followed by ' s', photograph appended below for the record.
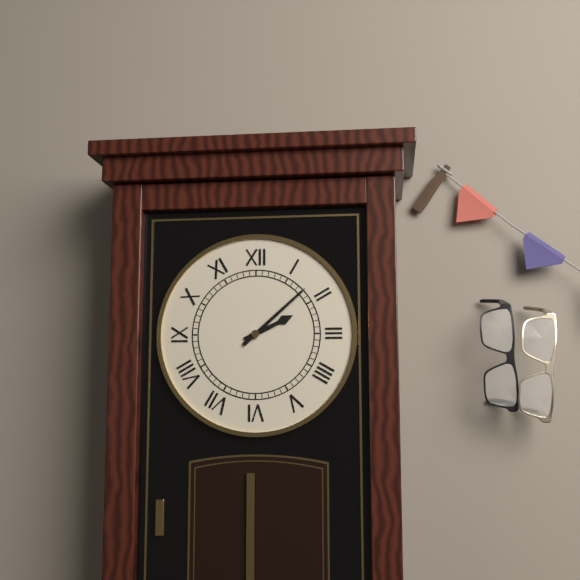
2 h 08 min
